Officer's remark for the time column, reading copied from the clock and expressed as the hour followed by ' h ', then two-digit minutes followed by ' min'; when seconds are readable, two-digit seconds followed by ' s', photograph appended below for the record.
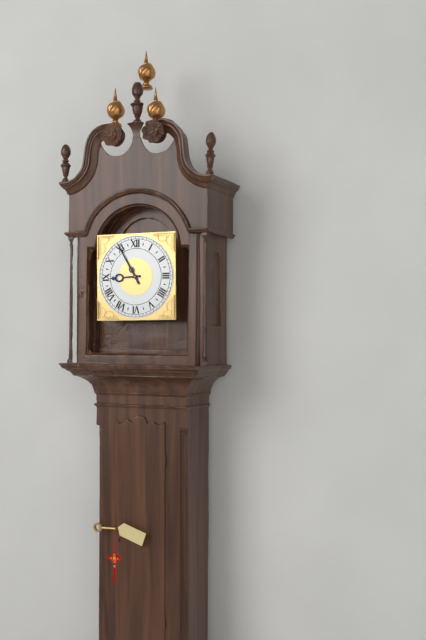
8 h 55 min
